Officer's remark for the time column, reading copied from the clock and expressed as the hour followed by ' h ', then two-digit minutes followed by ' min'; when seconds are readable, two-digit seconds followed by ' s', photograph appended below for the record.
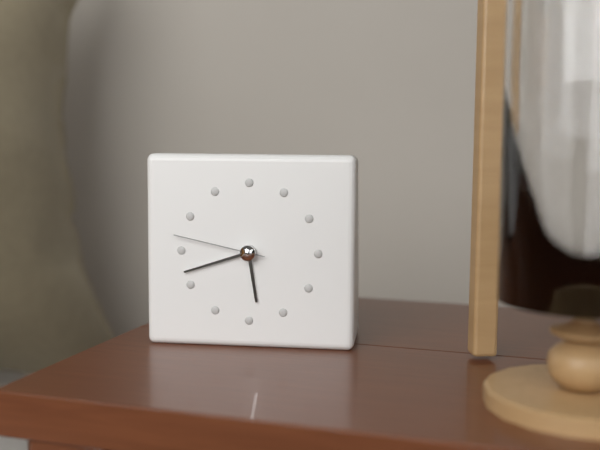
5 h 42 min 47 s
